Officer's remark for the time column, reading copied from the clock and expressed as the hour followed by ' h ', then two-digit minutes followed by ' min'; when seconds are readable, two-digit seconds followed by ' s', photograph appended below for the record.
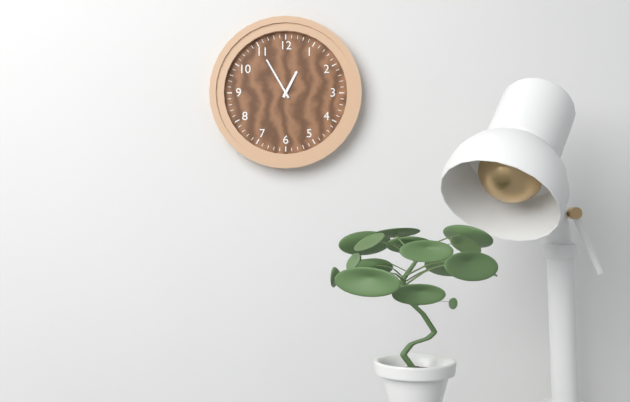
12 h 55 min
